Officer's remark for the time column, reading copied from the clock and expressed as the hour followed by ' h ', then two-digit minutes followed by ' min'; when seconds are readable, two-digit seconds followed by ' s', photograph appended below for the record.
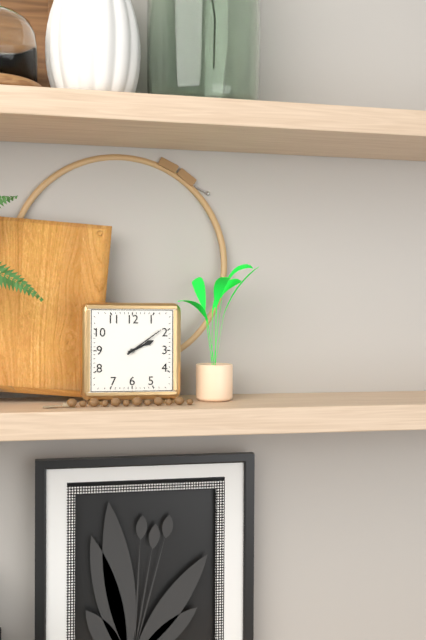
2 h 09 min
